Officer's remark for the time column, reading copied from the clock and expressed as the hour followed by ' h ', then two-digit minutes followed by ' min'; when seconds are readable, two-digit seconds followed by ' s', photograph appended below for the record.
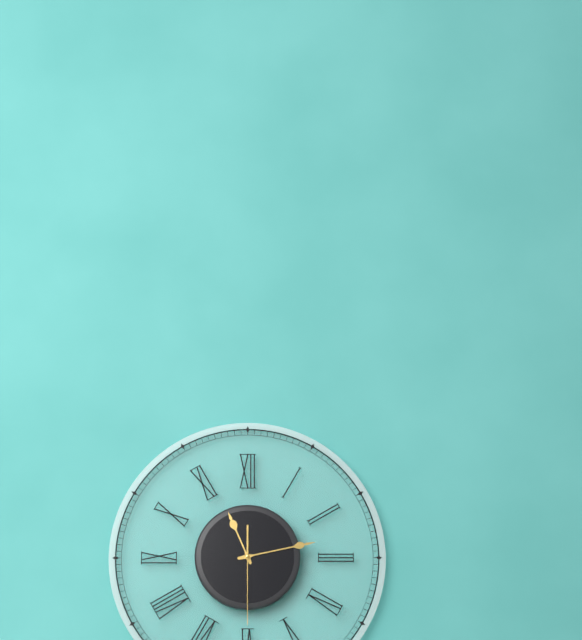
11 h 13 min 30 s
